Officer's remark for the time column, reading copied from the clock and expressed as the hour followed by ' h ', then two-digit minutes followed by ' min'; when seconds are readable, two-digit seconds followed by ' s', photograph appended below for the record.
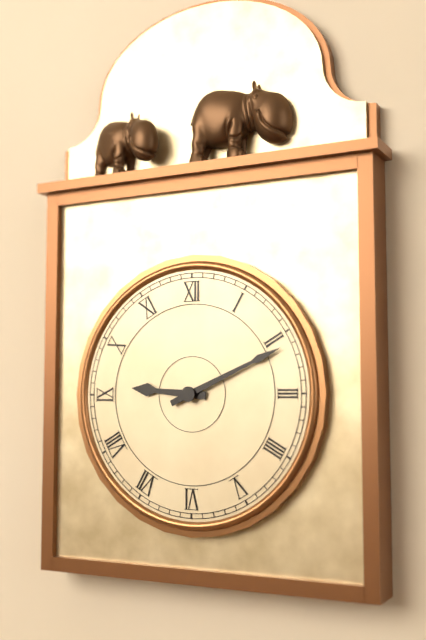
9 h 11 min
